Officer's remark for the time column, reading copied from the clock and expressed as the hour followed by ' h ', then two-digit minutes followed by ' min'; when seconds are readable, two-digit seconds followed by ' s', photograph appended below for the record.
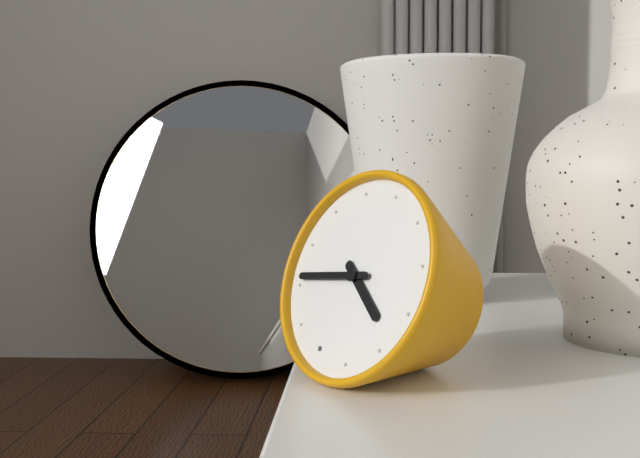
3 h 41 min
